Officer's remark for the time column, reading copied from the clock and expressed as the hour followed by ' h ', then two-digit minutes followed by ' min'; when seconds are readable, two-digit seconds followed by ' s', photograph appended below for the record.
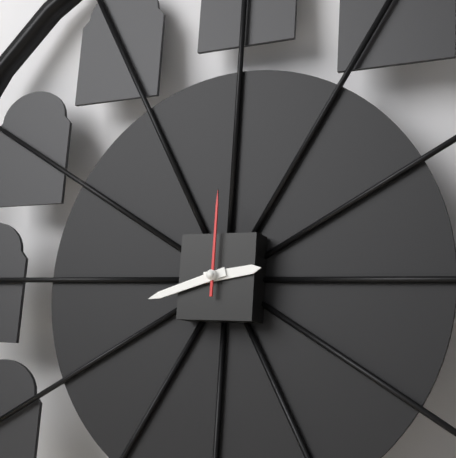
2 h 42 min 00 s
